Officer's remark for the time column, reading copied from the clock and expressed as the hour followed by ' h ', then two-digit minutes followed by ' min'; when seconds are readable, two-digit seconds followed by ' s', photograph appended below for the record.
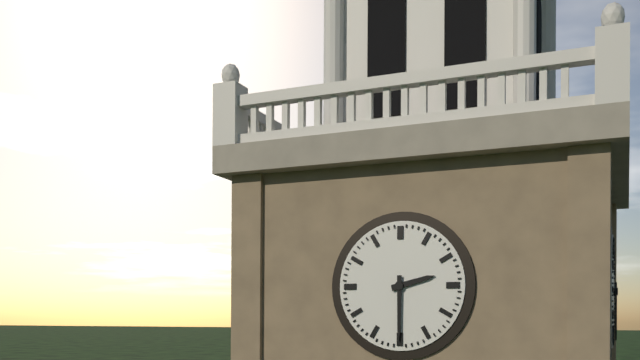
2 h 30 min
